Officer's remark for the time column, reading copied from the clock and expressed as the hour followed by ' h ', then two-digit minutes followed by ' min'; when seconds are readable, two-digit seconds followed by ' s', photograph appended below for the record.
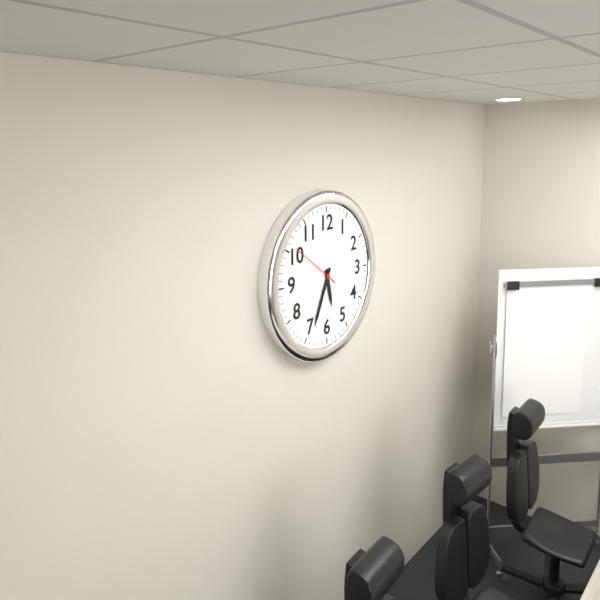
5 h 34 min 51 s
